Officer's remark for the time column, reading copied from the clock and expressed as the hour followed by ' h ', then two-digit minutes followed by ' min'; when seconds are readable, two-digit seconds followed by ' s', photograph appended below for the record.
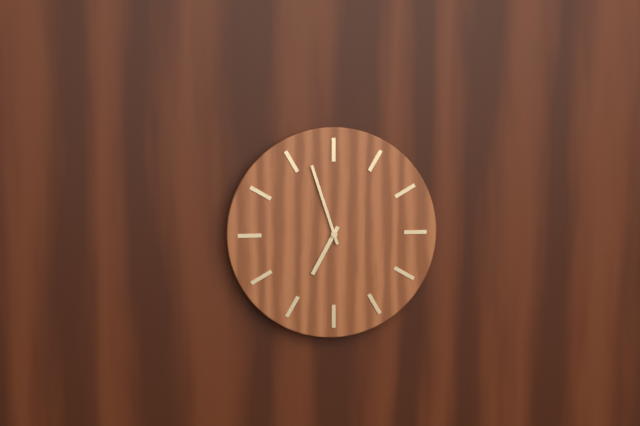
6 h 57 min
